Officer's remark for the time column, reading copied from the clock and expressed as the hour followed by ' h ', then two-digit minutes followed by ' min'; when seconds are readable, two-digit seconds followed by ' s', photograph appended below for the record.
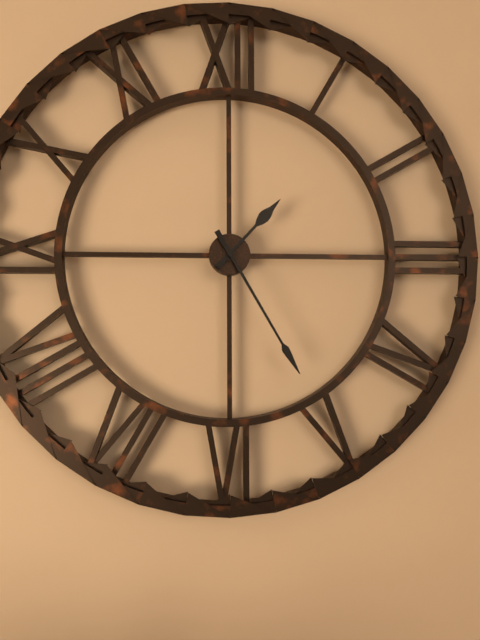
1 h 25 min
